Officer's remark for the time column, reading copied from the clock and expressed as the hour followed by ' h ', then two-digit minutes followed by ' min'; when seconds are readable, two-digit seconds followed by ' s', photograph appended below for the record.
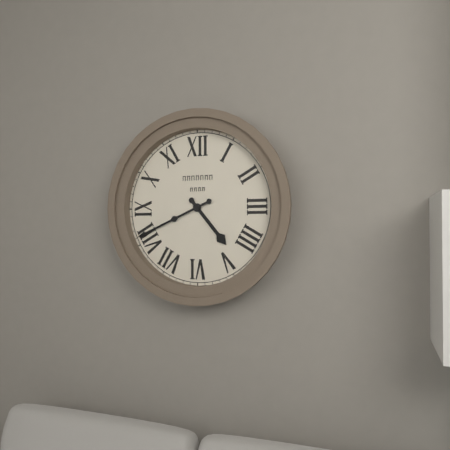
4 h 41 min
